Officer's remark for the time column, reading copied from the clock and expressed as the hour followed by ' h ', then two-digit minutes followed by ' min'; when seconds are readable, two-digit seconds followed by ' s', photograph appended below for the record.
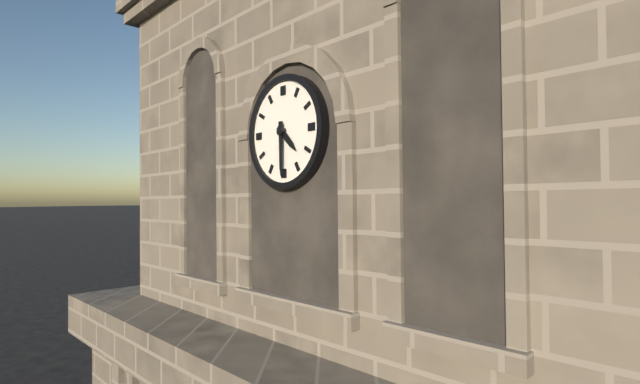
4 h 30 min
